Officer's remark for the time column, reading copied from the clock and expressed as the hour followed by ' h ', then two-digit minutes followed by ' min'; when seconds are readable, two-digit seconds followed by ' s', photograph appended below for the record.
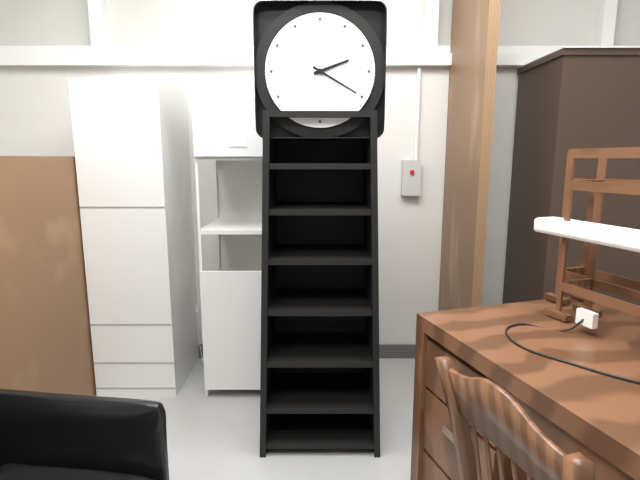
2 h 20 min
